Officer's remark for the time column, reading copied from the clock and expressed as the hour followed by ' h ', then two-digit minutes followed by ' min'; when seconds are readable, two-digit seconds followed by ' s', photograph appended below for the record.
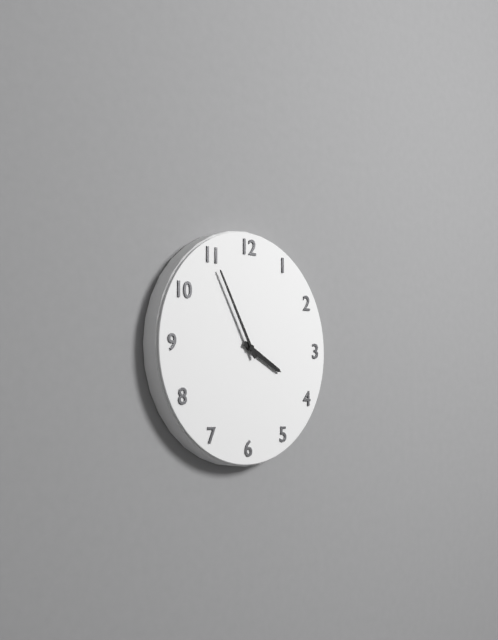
3 h 55 min
